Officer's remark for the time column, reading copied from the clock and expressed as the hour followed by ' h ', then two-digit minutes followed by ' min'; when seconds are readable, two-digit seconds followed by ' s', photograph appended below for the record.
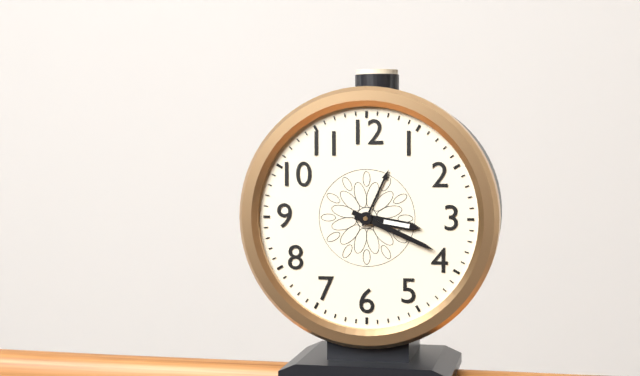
3 h 19 min
